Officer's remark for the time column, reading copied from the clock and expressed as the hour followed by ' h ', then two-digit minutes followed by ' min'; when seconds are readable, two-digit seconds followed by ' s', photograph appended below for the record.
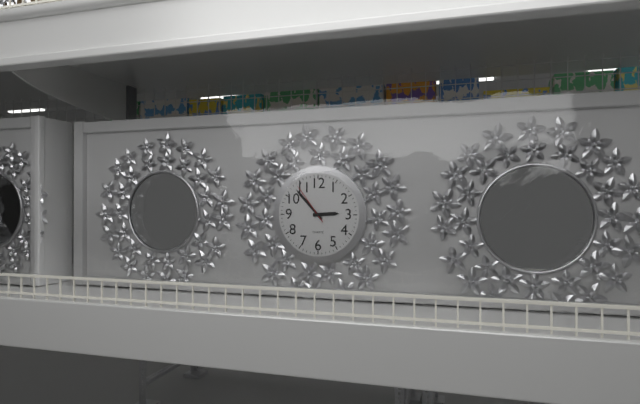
2 h 53 min
